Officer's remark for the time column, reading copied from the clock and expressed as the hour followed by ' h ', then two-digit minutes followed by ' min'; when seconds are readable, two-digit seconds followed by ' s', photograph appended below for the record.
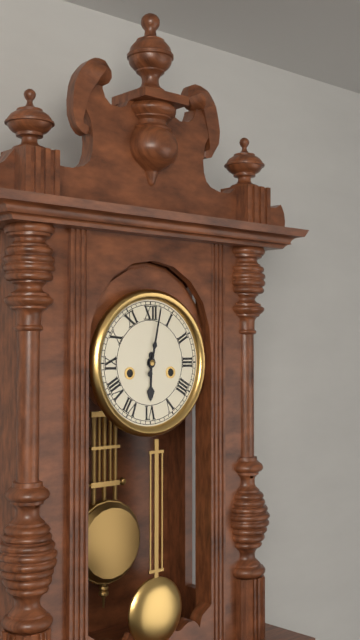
6 h 02 min
